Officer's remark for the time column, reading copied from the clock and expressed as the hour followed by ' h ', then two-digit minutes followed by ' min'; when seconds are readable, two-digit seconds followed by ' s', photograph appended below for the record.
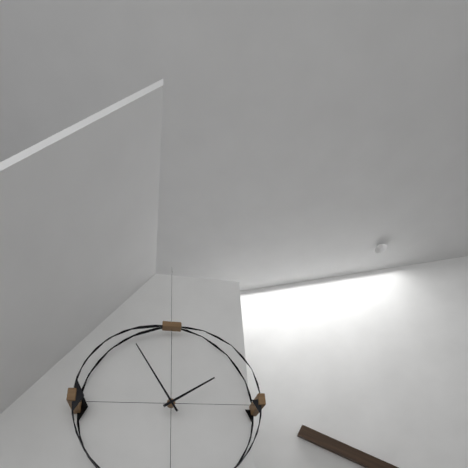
1 h 55 min
